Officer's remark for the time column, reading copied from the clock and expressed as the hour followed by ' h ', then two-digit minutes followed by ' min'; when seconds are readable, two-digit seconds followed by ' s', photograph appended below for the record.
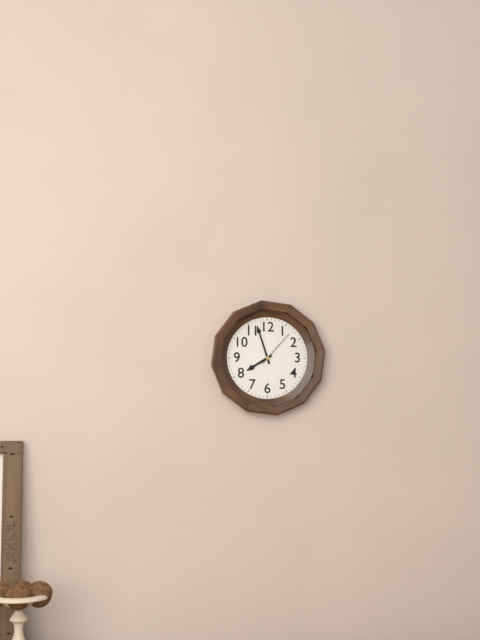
7 h 57 min
